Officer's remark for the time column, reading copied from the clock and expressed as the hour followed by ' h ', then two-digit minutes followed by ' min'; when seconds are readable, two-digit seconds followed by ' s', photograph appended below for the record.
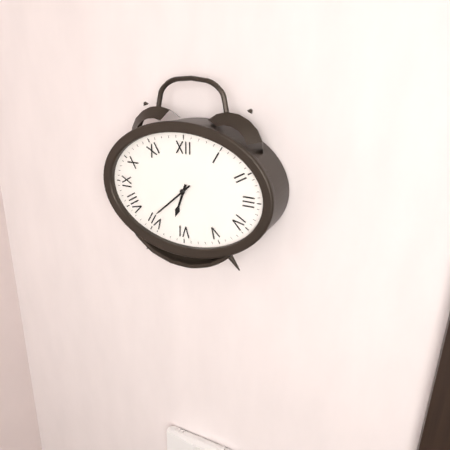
6 h 38 min
